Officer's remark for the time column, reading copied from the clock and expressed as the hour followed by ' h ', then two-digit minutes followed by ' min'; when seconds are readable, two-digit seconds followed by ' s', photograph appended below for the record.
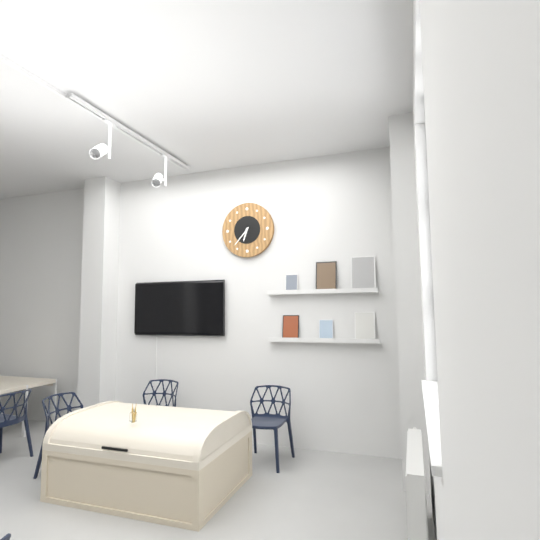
6 h 37 min
